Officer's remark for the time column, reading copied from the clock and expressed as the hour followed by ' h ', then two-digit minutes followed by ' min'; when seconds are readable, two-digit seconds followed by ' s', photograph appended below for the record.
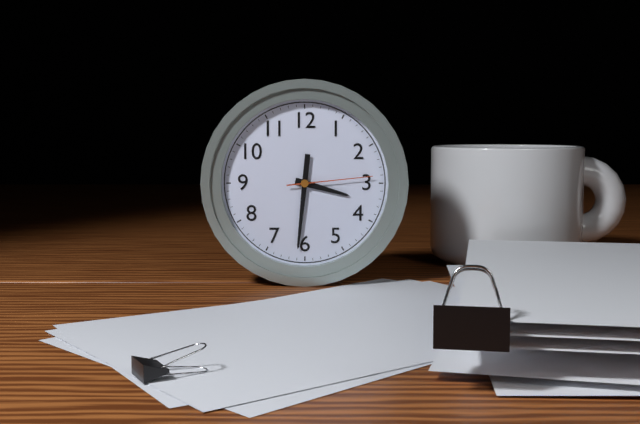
3 h 31 min 14 s
